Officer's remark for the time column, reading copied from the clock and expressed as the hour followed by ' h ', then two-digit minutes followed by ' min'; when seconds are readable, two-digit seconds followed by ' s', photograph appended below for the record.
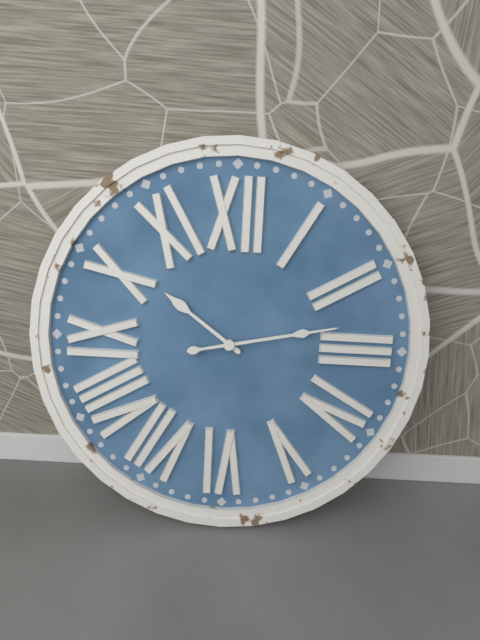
10 h 13 min
